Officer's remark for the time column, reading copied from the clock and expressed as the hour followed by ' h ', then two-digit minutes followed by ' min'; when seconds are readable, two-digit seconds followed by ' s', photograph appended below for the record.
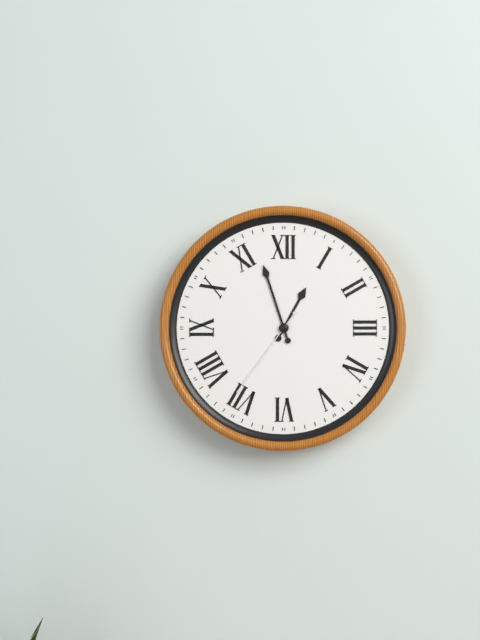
12 h 57 min 36 s
